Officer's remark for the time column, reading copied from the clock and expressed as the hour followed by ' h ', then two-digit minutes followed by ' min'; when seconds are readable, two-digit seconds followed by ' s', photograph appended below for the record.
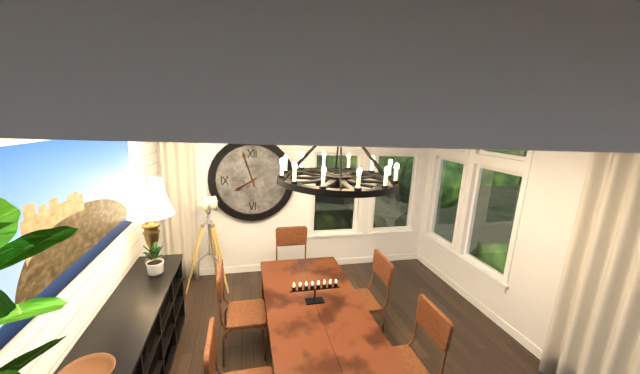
7 h 57 min
